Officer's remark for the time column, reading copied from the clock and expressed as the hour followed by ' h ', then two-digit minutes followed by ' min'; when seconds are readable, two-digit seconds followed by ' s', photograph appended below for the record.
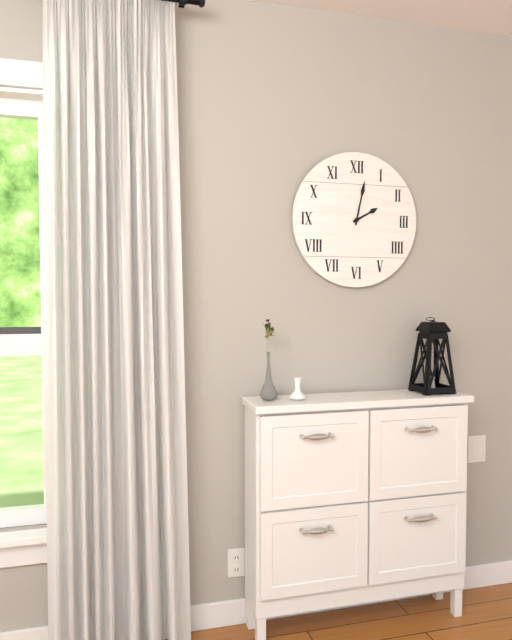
2 h 02 min
